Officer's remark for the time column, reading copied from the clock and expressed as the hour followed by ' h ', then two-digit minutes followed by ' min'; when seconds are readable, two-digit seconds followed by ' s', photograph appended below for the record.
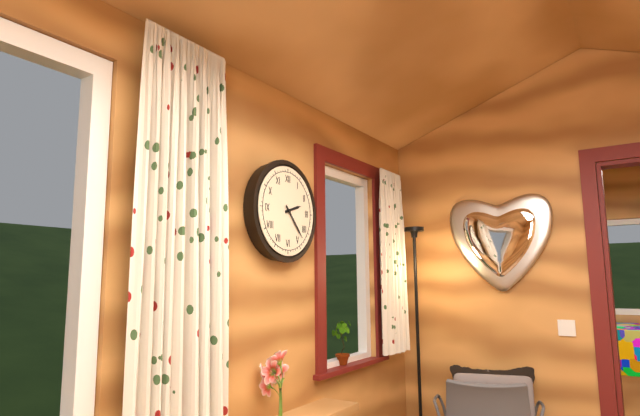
2 h 23 min
